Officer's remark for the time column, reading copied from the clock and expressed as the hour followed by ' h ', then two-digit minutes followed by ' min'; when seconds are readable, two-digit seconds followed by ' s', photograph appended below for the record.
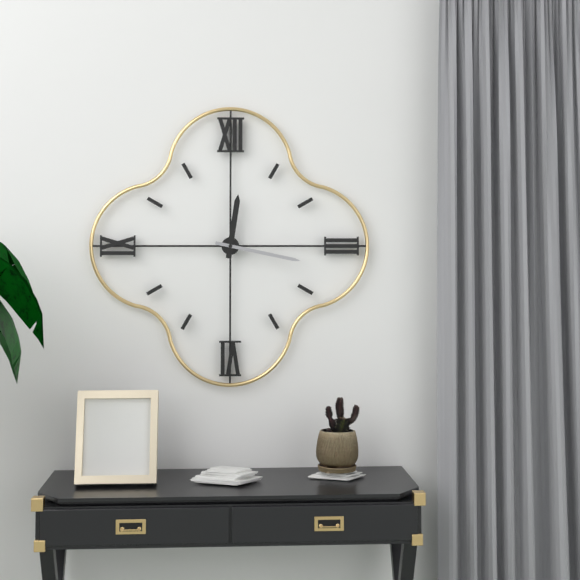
12 h 17 min
